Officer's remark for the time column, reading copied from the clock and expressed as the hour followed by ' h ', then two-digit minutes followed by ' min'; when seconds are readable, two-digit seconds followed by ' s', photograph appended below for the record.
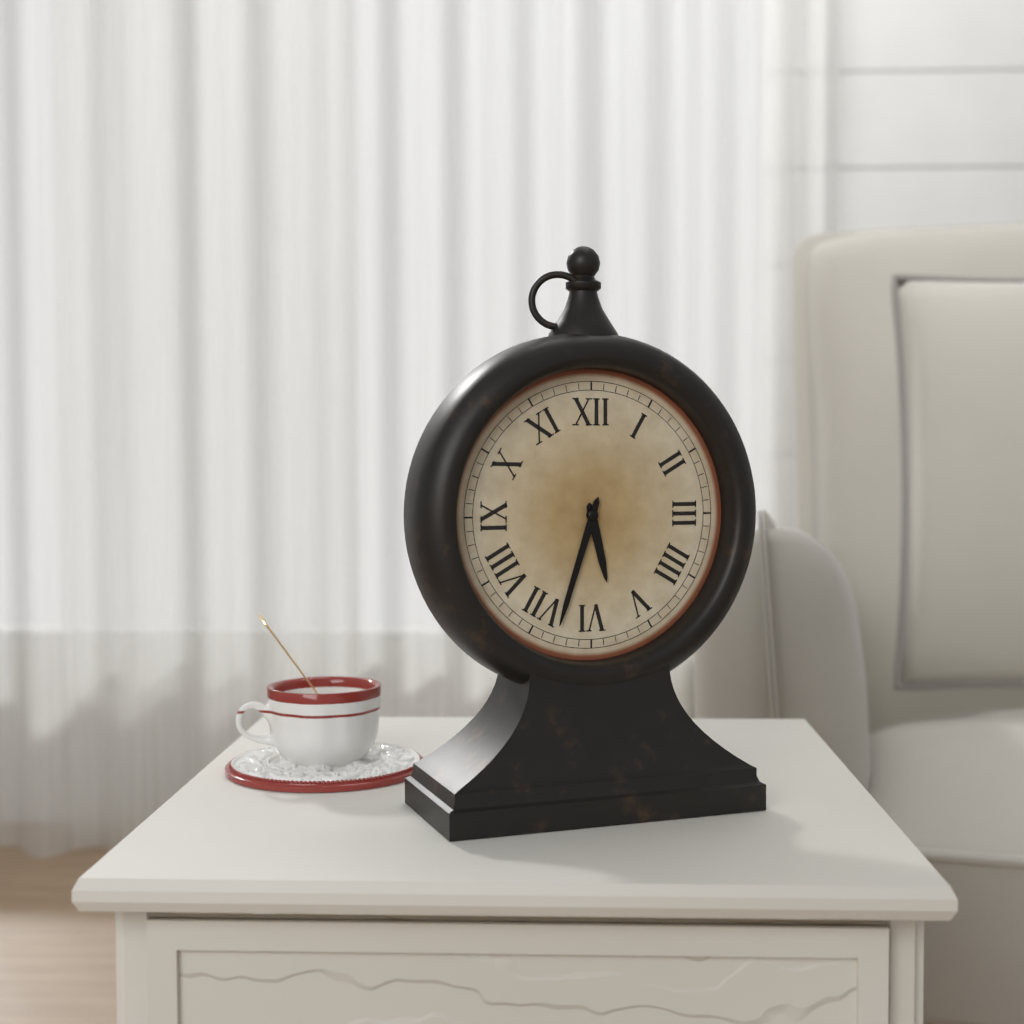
5 h 33 min
